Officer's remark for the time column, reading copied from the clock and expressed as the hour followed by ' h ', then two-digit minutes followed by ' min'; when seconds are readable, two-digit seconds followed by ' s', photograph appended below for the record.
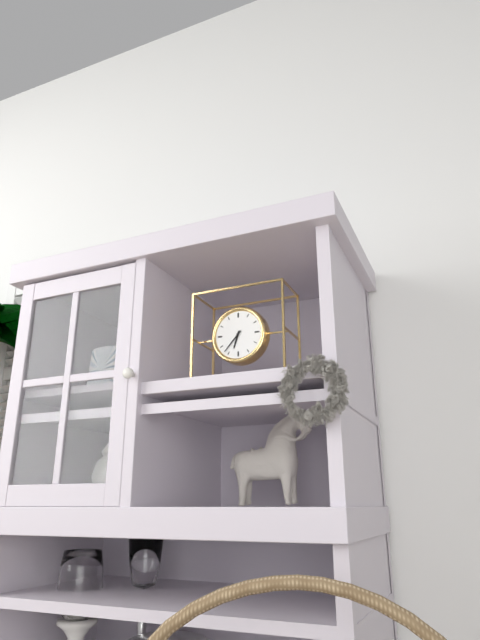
6 h 37 min
